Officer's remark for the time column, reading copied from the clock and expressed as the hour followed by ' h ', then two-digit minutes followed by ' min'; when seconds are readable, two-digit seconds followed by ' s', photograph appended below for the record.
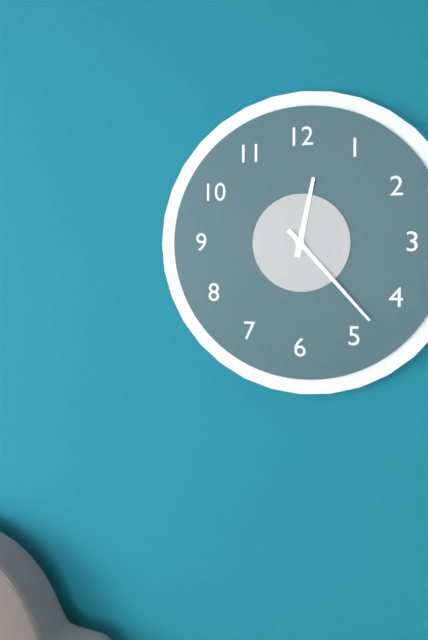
12 h 23 min
